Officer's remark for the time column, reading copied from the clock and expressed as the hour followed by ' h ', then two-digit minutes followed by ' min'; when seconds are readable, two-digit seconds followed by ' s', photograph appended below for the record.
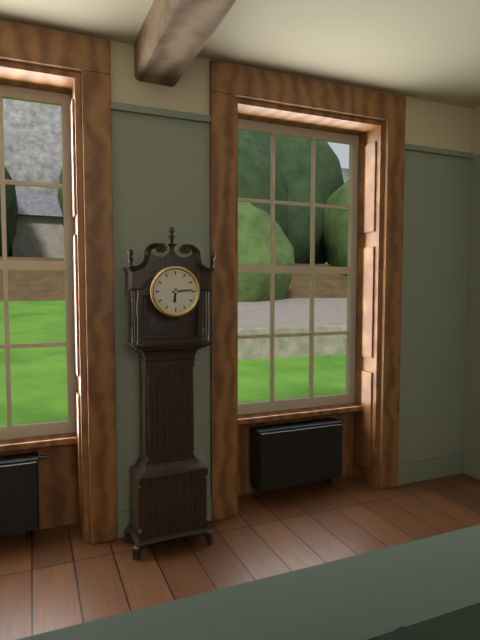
6 h 14 min
